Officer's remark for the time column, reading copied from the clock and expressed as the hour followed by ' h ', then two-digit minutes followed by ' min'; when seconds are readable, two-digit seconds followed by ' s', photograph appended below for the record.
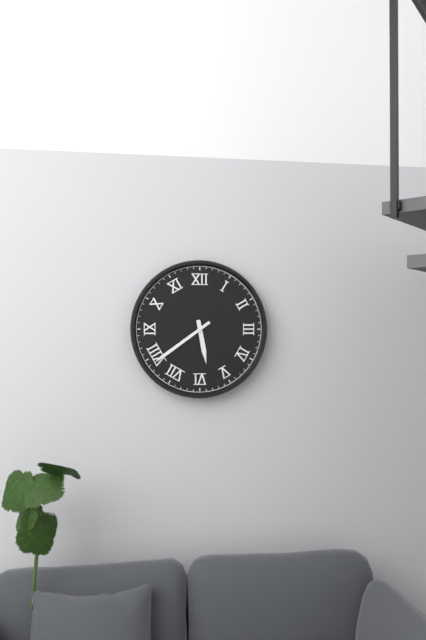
5 h 39 min
